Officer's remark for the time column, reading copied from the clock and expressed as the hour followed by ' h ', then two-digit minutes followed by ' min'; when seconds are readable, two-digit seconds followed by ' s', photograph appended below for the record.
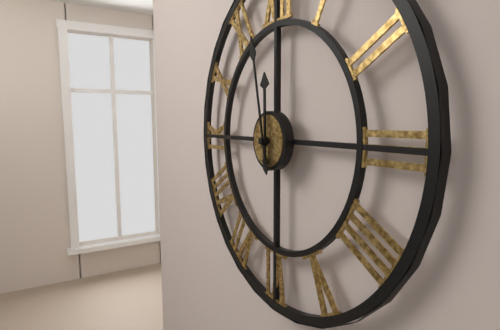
11 h 58 min
